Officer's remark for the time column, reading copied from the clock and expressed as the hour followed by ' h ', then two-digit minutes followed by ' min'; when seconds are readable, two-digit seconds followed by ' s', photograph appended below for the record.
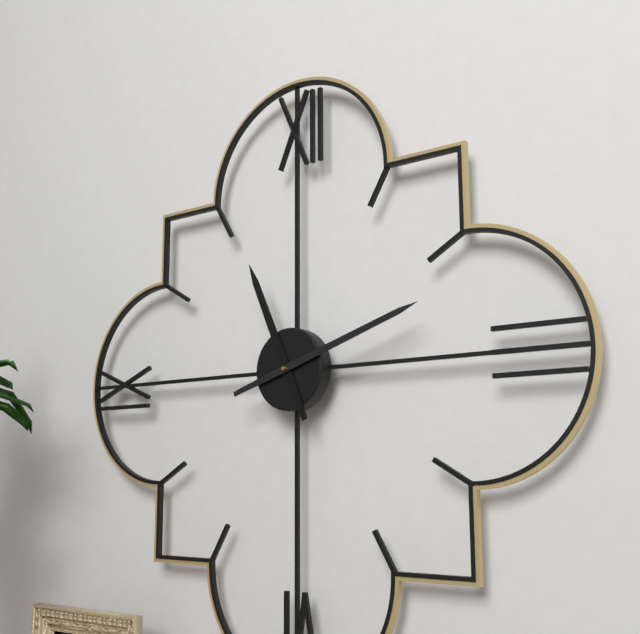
11 h 12 min
